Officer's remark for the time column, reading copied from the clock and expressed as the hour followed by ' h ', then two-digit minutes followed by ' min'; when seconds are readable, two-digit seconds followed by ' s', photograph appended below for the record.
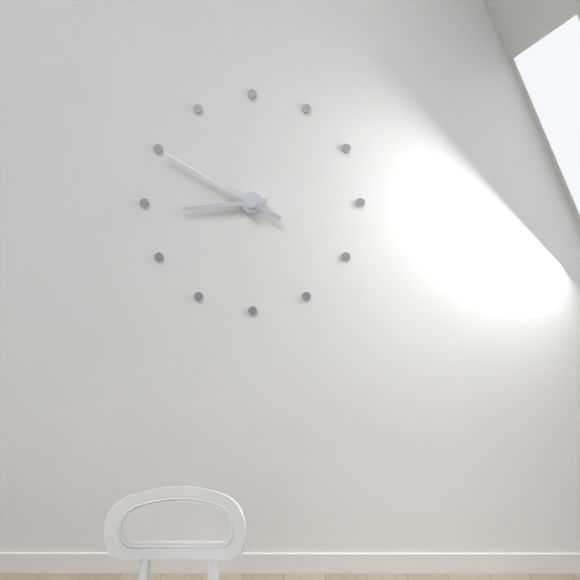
8 h 50 min
